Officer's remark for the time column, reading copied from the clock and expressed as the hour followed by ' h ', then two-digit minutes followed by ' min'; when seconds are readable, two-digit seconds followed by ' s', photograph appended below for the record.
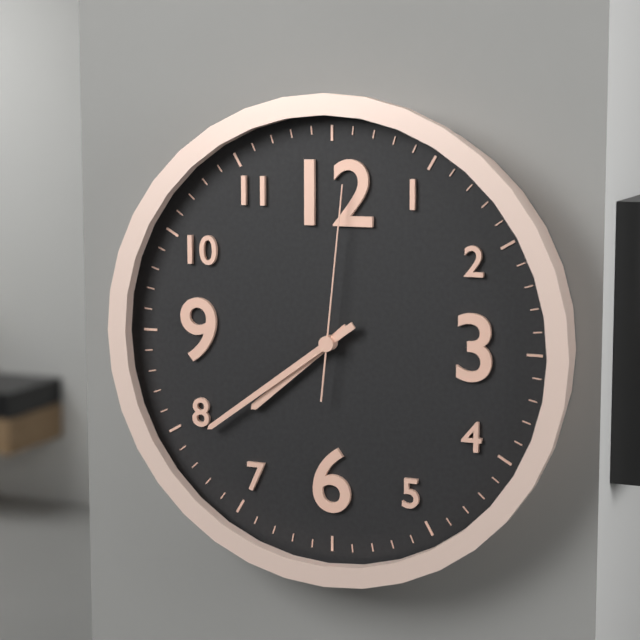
7 h 39 min 01 s
